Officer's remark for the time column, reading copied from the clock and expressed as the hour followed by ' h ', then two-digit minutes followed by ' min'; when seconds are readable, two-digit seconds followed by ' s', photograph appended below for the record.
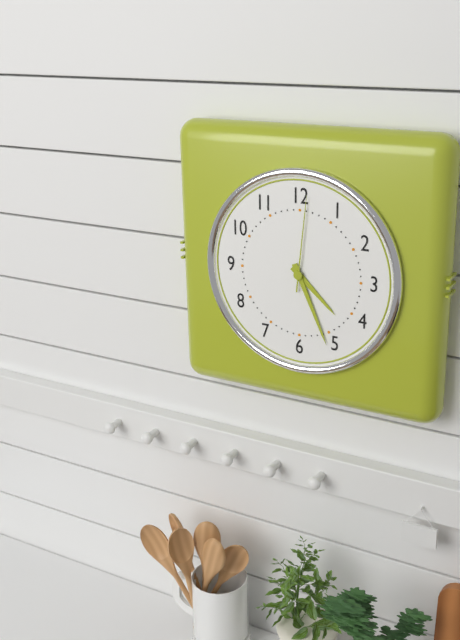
4 h 26 min 01 s
